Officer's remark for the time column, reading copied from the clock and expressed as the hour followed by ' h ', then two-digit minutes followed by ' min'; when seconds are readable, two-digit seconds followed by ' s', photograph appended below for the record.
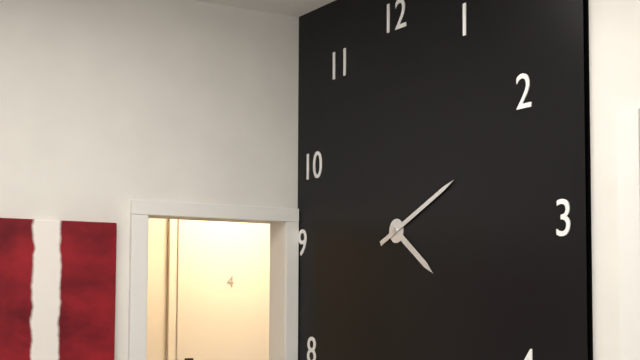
4 h 11 min
